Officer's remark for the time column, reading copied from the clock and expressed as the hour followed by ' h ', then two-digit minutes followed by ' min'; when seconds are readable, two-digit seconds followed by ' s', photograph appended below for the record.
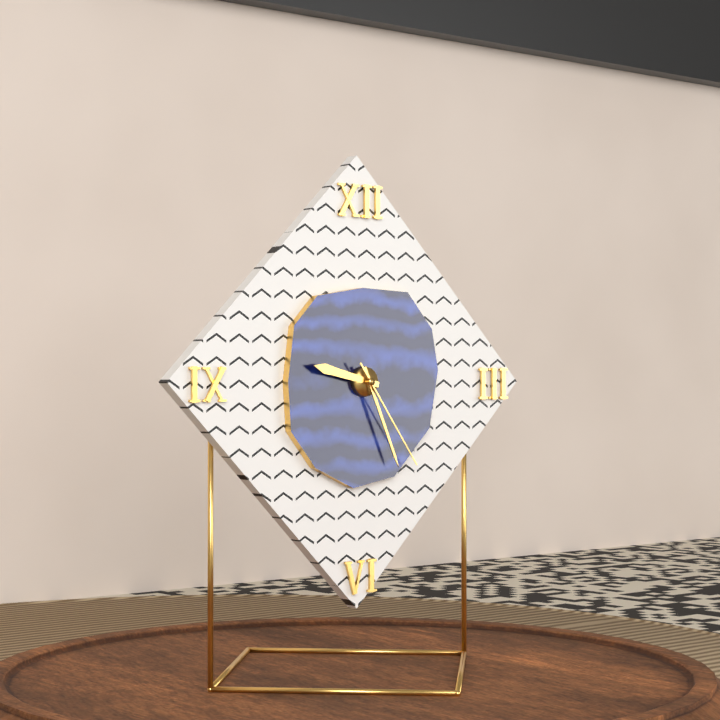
9 h 26 min 24 s
